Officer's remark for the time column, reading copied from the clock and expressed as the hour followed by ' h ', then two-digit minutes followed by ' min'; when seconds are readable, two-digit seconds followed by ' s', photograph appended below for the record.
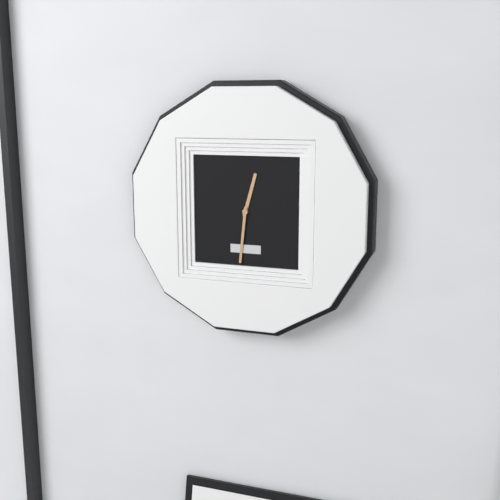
12 h 31 min
